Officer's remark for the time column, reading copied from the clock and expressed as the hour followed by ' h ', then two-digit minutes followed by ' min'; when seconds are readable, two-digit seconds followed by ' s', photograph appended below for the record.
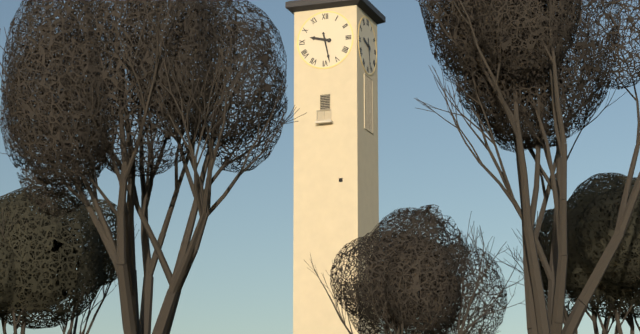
9 h 28 min
